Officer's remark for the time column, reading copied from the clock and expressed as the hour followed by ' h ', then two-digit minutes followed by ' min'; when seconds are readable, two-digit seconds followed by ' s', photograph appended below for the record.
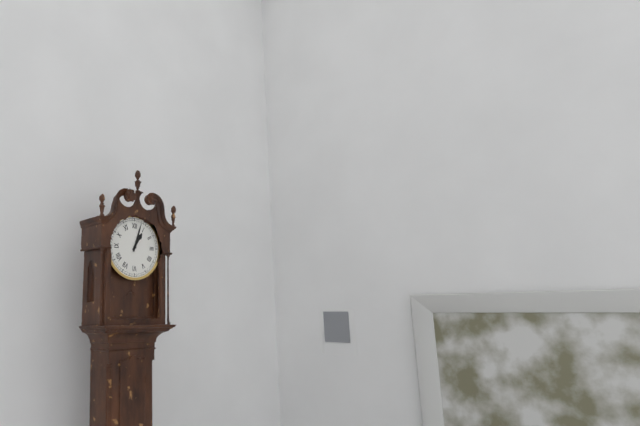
1 h 03 min
